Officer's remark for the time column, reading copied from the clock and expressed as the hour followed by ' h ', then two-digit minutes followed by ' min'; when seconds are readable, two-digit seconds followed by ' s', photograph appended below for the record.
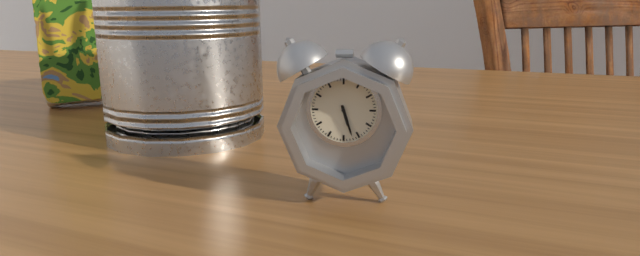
5 h 27 min
